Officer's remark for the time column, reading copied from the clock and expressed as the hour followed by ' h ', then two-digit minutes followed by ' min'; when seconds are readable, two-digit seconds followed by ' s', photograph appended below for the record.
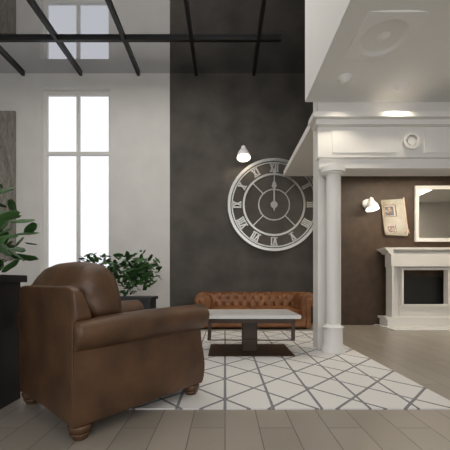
12 h 00 min
